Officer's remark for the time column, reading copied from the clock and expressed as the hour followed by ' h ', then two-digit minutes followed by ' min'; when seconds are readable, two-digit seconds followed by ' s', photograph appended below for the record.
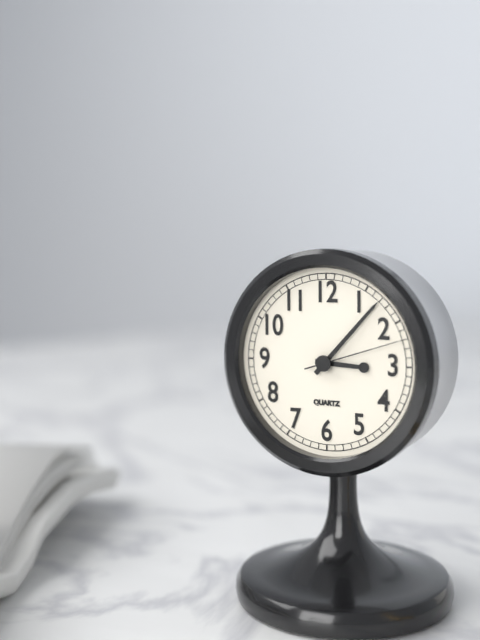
3 h 07 min 12 s
